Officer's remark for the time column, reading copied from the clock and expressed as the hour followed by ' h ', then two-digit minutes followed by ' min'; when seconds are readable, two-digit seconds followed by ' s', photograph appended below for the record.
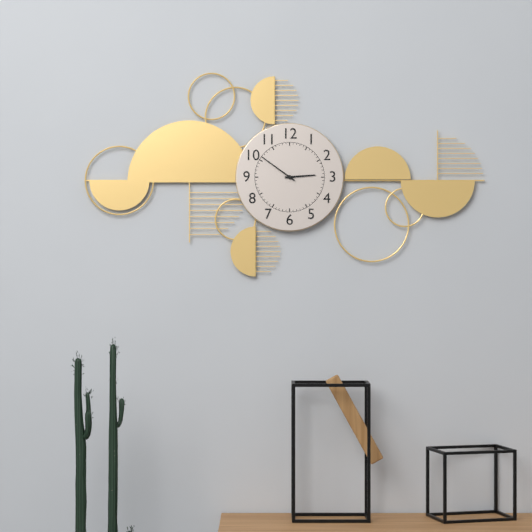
2 h 51 min
